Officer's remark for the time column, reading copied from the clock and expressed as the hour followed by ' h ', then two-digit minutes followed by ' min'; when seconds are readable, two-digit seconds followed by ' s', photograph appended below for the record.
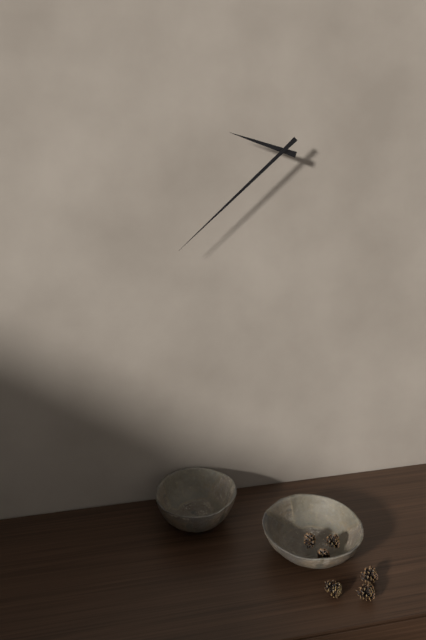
9 h 38 min
